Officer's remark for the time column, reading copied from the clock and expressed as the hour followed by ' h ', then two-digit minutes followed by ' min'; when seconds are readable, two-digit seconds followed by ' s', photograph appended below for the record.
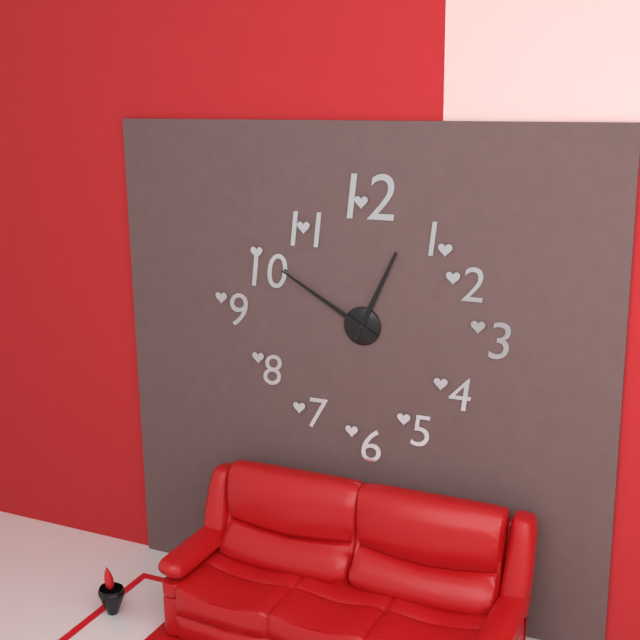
12 h 50 min
